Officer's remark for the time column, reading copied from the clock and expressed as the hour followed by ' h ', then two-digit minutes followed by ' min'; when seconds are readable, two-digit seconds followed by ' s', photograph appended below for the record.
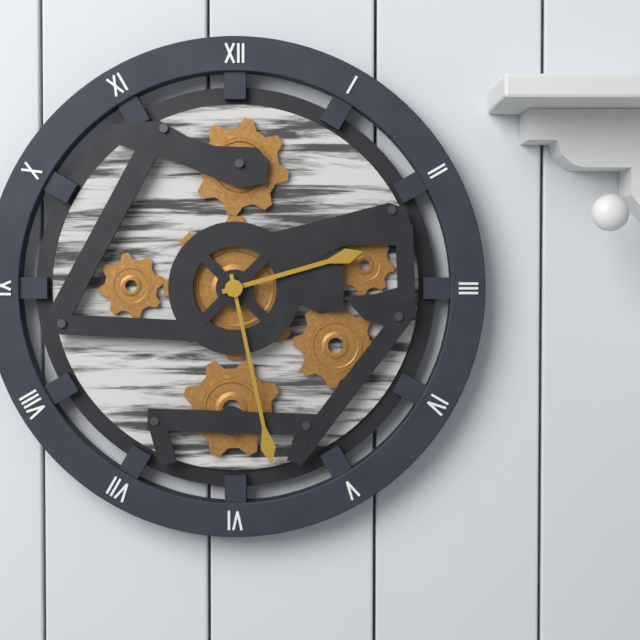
2 h 28 min
